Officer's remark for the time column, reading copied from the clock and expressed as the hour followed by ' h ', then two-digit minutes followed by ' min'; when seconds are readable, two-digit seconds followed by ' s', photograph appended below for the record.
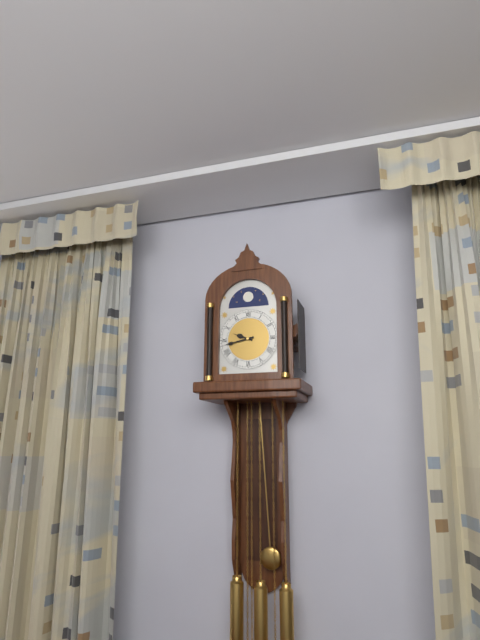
9 h 43 min
